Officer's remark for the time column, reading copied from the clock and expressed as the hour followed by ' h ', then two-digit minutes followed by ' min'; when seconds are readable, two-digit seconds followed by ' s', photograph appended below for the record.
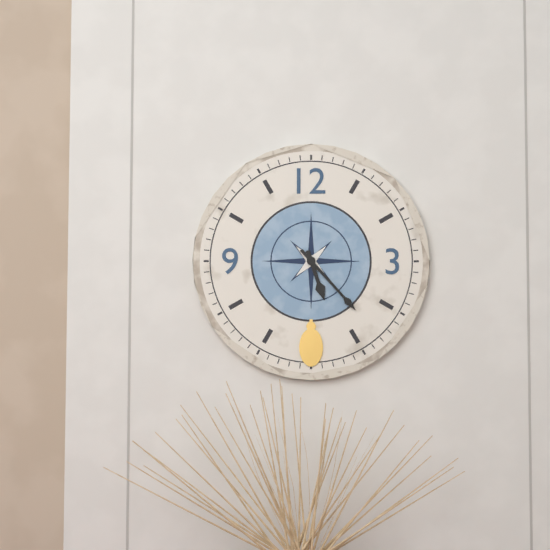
5 h 23 min
